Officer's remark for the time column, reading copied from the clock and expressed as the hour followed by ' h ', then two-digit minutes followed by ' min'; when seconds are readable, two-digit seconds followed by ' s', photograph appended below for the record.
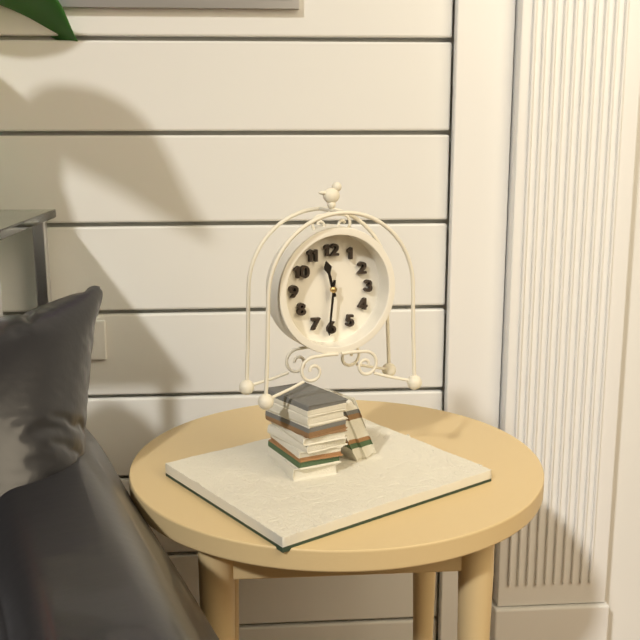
11 h 31 min
